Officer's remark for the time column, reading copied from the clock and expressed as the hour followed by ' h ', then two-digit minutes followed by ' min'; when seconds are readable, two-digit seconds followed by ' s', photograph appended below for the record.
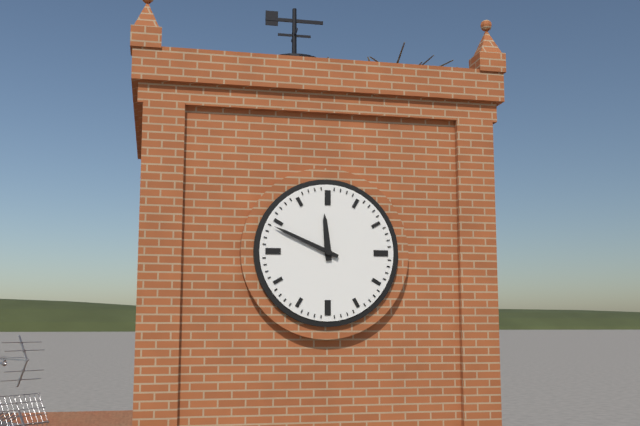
11 h 49 min
